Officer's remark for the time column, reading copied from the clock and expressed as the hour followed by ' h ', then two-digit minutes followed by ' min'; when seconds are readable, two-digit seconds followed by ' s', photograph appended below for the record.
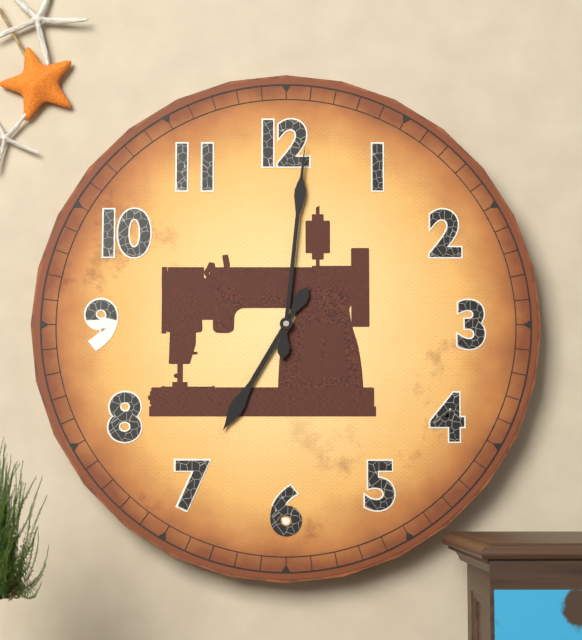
7 h 01 min
